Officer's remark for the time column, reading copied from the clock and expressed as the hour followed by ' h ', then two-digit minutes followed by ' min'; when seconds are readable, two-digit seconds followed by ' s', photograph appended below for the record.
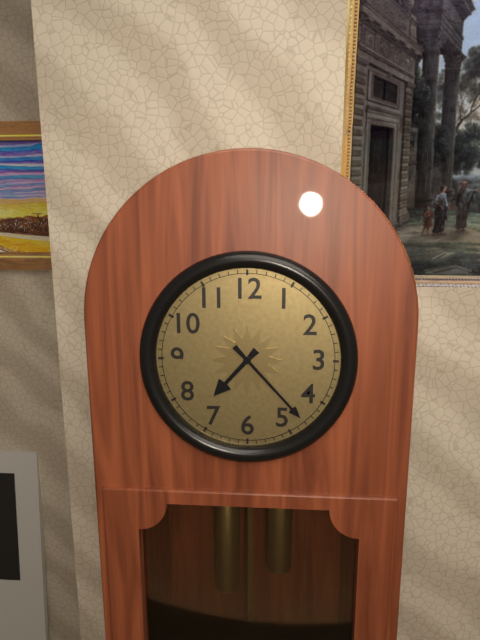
7 h 23 min
